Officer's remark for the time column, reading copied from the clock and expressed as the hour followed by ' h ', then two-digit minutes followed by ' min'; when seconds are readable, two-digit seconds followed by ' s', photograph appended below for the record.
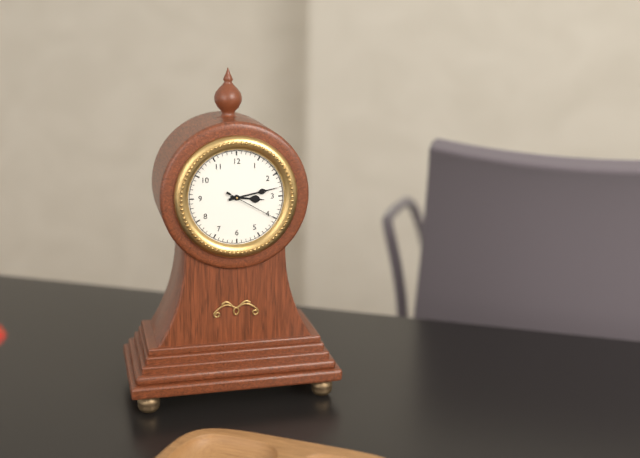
3 h 13 min 20 s
